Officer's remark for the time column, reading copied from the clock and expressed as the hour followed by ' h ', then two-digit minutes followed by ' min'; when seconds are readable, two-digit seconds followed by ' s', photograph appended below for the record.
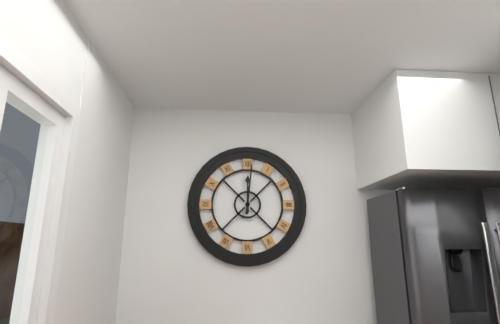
12 h 01 min
